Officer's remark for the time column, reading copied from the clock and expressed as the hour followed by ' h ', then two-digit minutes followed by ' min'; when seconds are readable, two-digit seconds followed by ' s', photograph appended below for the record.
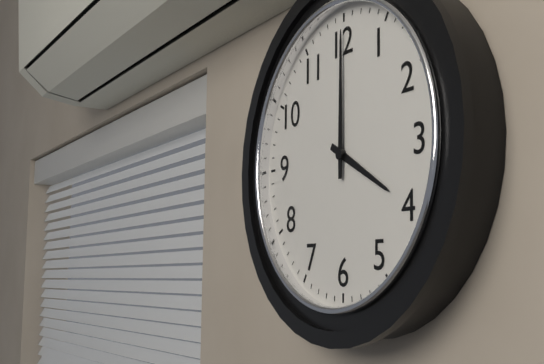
4 h 00 min
